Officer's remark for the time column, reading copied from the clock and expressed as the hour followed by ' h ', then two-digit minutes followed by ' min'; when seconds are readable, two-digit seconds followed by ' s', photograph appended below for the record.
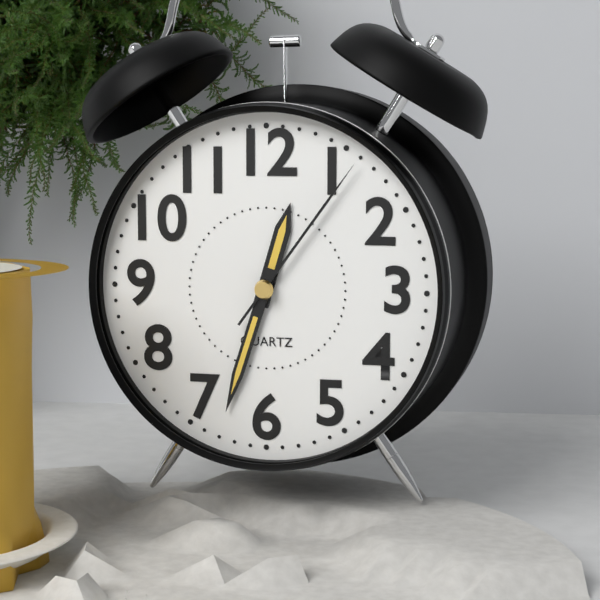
12 h 33 min 06 s
